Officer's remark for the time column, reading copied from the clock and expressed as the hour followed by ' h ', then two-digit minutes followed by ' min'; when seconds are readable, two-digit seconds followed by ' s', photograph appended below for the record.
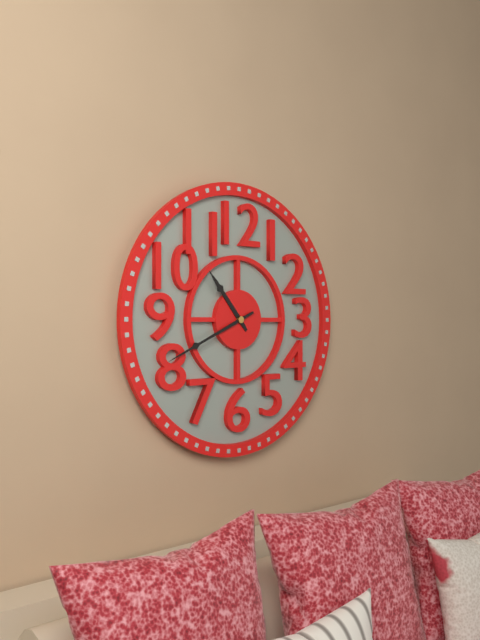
10 h 41 min
